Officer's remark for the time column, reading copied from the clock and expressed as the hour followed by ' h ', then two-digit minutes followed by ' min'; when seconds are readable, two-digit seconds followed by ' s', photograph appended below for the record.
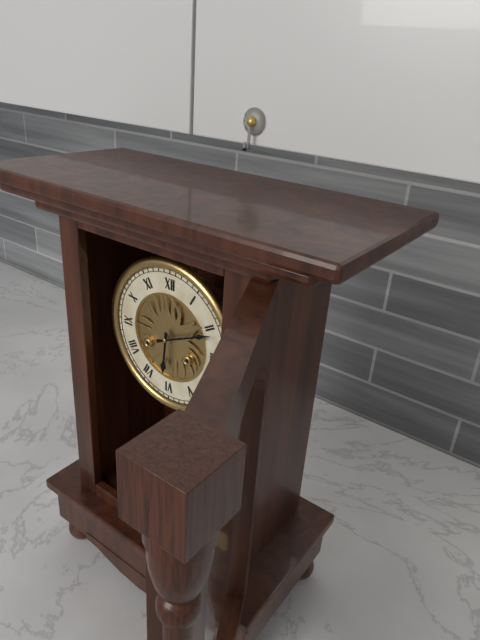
6 h 11 min
